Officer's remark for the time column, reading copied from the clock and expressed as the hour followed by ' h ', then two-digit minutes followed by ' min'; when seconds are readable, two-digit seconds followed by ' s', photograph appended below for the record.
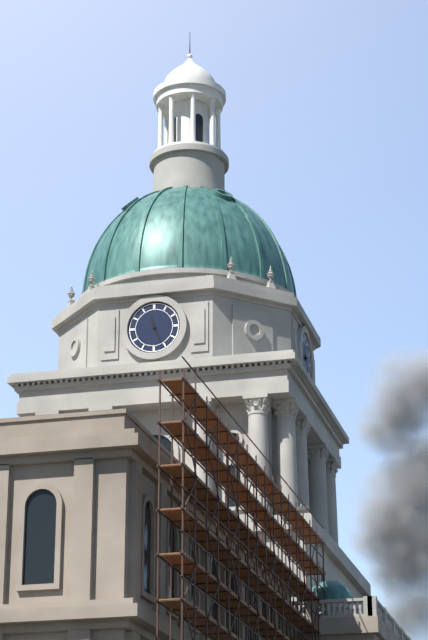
11 h 26 min
